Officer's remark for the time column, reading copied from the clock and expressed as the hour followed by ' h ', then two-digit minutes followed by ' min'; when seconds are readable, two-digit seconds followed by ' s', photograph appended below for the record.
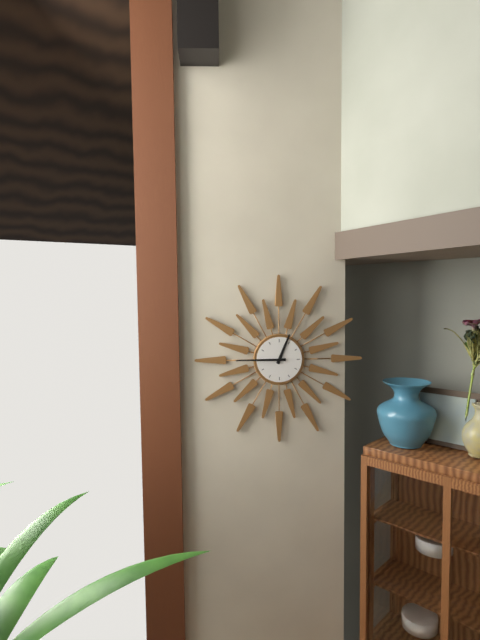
12 h 45 min
